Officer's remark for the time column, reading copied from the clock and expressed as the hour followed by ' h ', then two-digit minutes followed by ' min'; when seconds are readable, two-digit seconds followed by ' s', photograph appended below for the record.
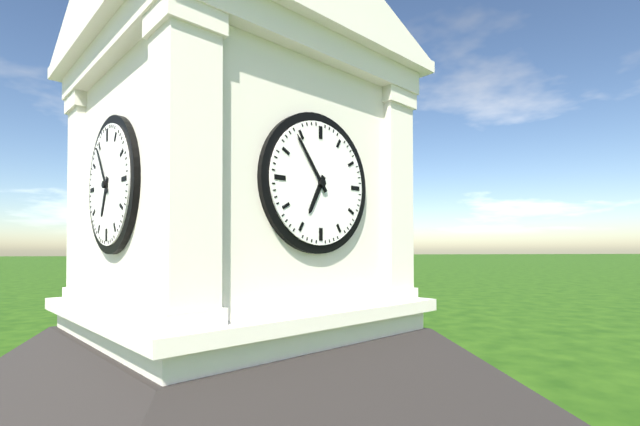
6 h 54 min
